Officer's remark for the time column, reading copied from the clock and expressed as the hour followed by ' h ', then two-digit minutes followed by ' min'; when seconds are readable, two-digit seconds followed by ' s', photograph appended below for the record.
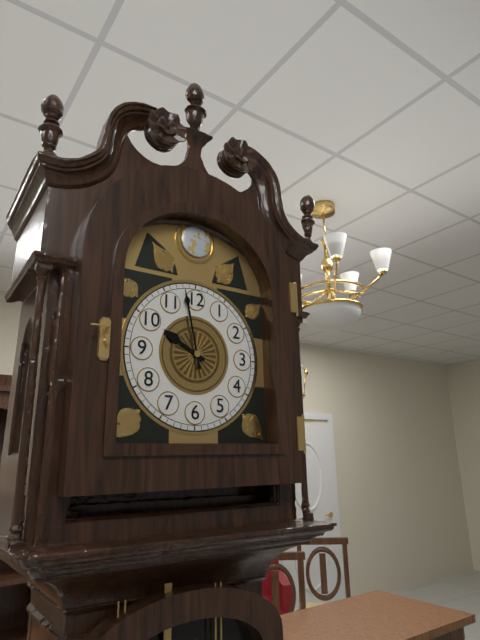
9 h 58 min
